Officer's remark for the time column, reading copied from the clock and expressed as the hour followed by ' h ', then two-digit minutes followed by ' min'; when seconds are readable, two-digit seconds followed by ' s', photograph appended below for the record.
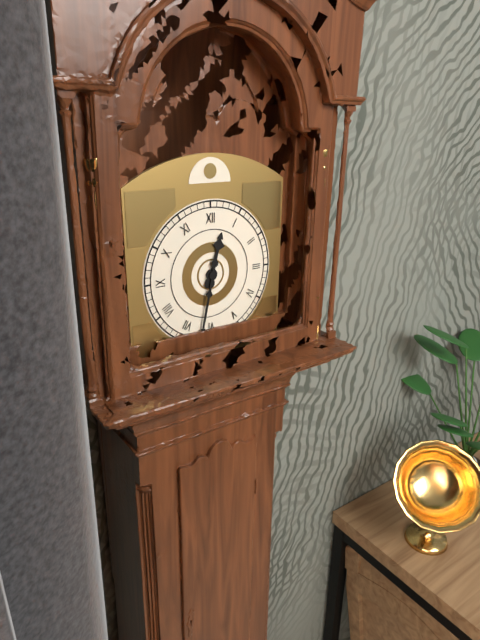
12 h 32 min
